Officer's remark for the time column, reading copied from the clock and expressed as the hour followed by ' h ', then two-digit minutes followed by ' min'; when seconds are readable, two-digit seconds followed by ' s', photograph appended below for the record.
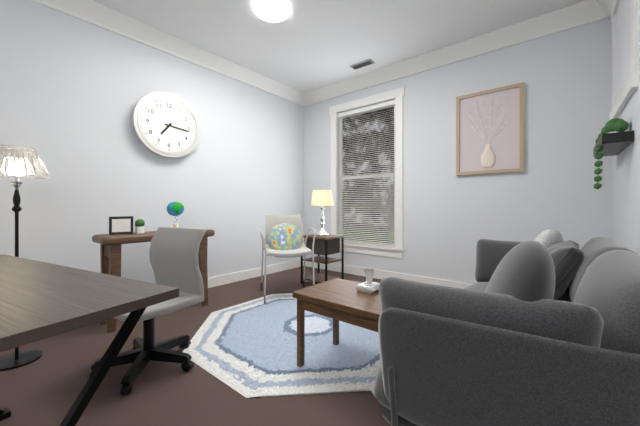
7 h 16 min
